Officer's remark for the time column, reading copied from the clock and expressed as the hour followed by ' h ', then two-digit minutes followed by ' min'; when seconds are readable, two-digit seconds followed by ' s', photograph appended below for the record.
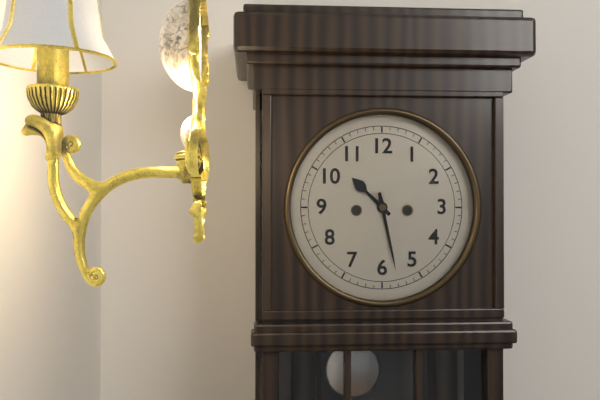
10 h 28 min
